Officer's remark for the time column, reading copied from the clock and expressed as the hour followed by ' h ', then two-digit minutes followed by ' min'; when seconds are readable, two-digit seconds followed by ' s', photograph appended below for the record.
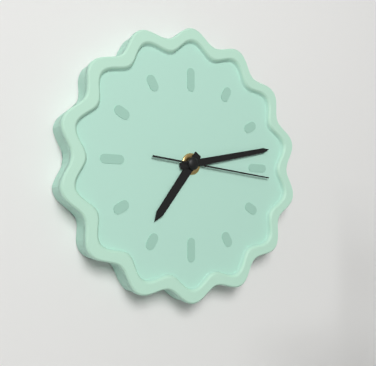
7 h 13 min 16 s
